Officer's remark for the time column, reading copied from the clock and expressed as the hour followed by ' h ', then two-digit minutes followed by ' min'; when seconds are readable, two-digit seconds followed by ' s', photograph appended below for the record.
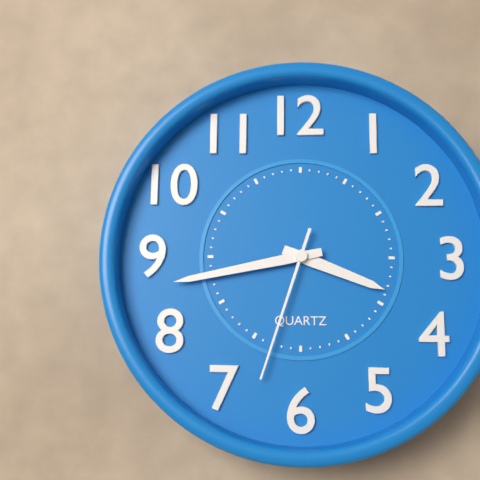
3 h 43 min 33 s
